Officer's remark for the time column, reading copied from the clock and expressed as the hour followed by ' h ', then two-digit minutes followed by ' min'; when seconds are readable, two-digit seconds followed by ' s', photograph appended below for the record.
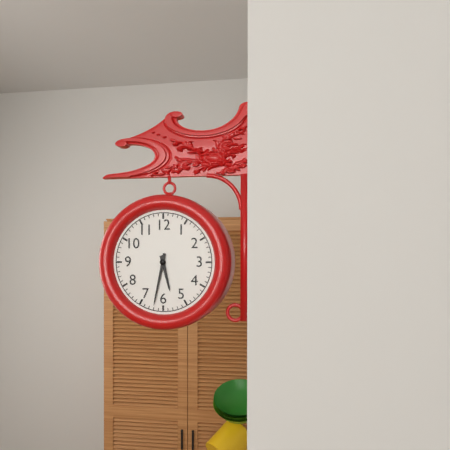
5 h 32 min
